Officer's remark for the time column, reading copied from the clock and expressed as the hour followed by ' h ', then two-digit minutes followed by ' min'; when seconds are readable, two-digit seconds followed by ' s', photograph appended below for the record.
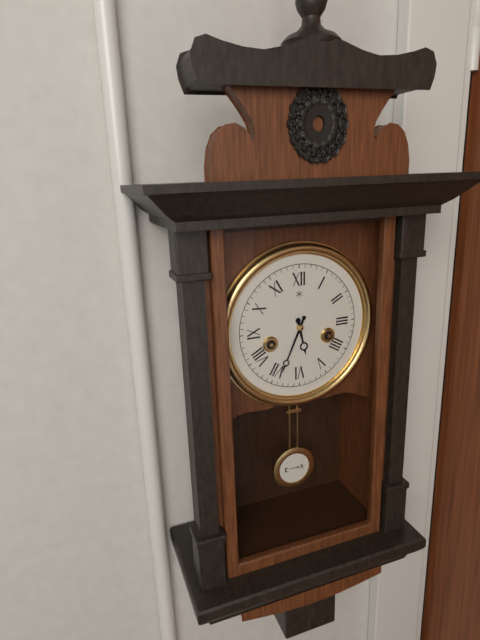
5 h 34 min
